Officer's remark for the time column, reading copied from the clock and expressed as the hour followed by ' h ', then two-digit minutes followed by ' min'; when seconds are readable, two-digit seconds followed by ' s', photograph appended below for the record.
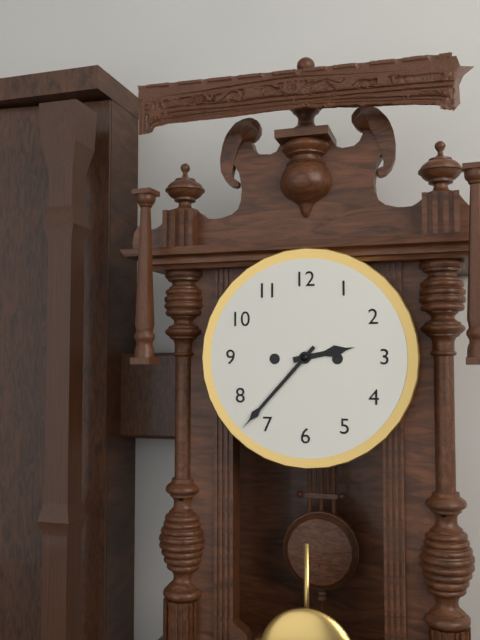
2 h 37 min
